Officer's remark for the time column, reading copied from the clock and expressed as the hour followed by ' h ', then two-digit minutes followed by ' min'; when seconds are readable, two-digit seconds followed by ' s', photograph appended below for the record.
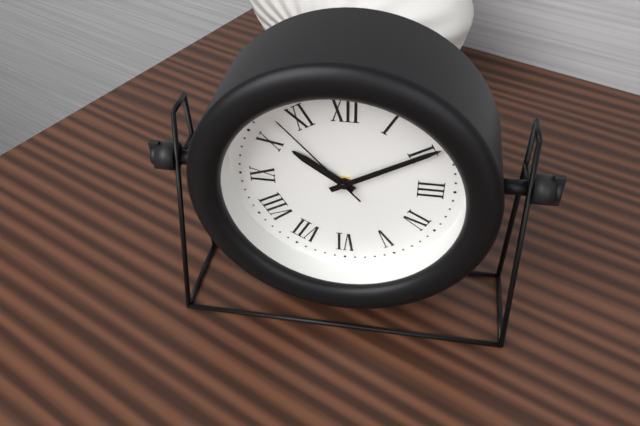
10 h 10 min 53 s
